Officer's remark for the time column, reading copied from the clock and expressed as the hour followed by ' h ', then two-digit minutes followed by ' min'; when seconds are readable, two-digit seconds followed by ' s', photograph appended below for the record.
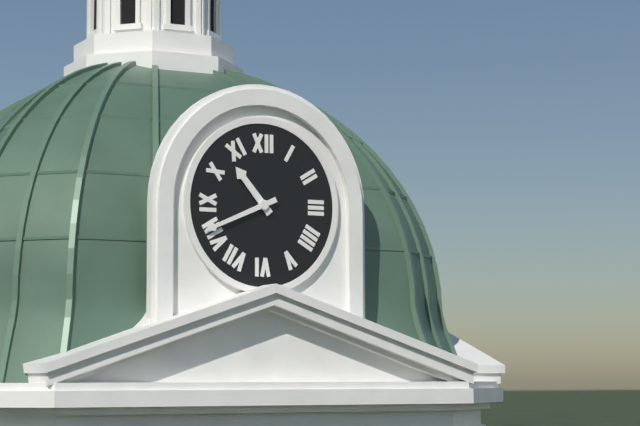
10 h 41 min
